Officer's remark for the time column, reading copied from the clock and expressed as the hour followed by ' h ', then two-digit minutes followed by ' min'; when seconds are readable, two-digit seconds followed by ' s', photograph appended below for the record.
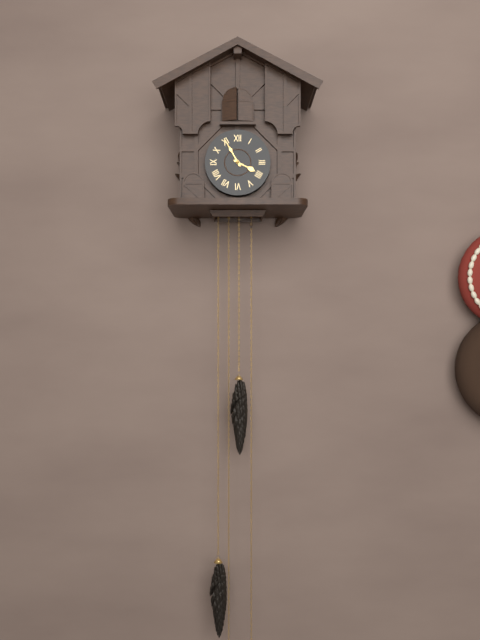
3 h 55 min
